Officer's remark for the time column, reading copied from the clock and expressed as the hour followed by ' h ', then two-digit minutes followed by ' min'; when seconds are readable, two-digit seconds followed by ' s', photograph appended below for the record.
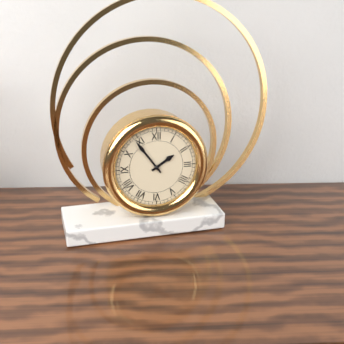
1 h 54 min
